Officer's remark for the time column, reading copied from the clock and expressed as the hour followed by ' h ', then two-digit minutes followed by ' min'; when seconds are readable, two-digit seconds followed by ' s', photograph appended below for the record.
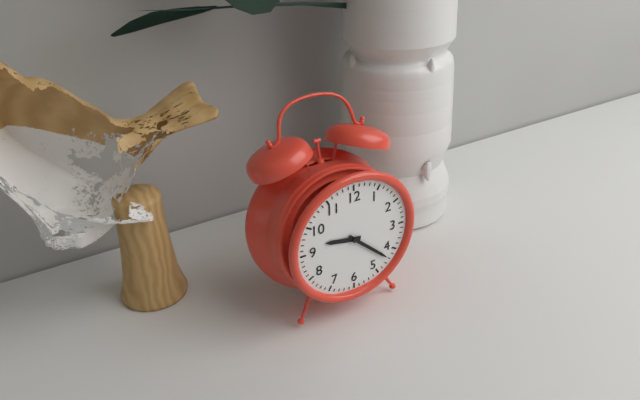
9 h 22 min
